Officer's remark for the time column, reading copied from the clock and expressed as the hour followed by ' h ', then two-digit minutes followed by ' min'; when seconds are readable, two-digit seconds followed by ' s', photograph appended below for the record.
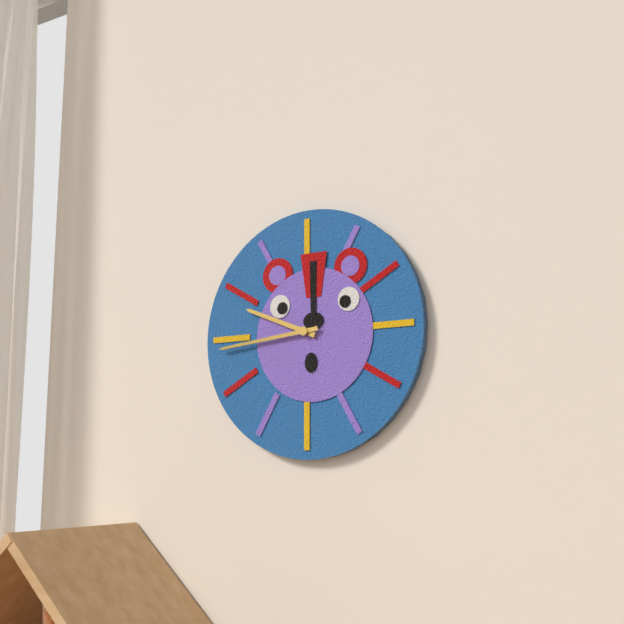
9 h 44 min
